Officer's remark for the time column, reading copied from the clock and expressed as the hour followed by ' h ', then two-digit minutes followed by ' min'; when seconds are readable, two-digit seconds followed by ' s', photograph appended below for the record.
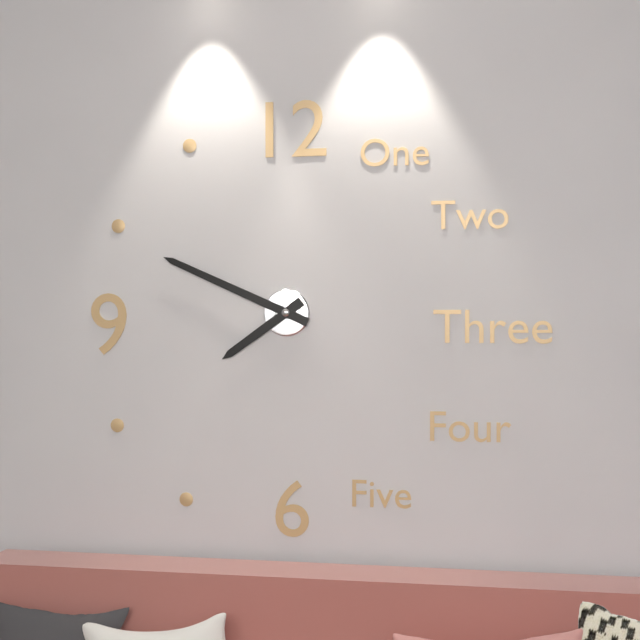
7 h 49 min
